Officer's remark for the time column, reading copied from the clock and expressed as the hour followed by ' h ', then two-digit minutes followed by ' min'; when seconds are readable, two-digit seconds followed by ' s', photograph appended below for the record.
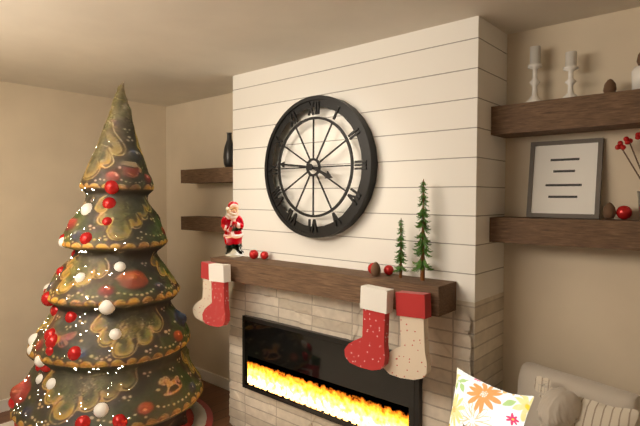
3 h 46 min
